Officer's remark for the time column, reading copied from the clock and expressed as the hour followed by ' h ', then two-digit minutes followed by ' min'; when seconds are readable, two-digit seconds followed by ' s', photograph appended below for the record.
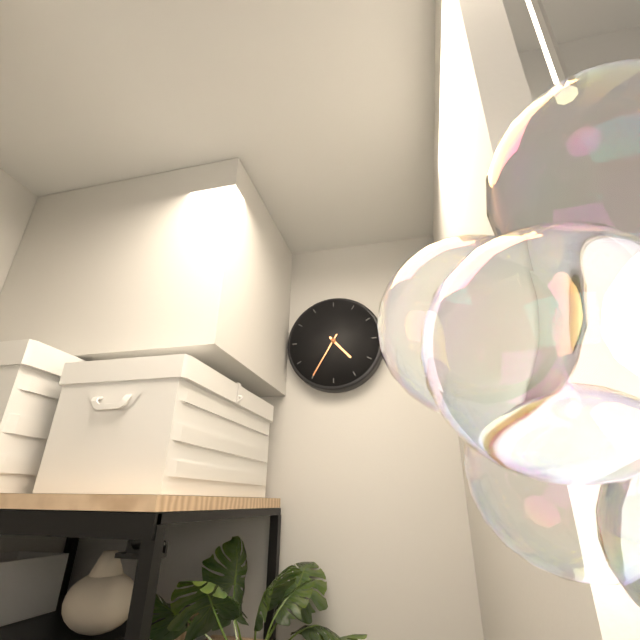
4 h 35 min
